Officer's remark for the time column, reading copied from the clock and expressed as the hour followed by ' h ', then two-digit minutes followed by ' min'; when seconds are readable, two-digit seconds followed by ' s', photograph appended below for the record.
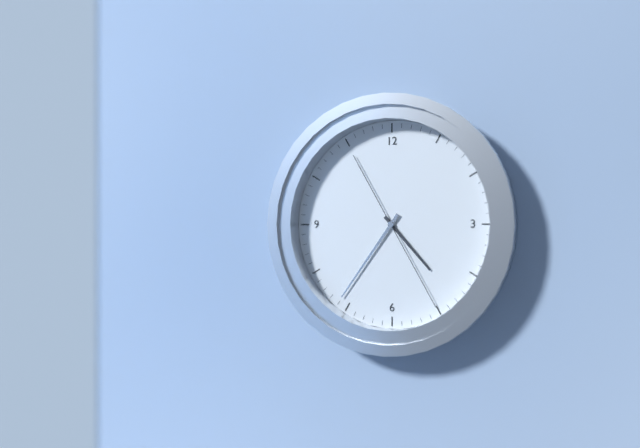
4 h 36 min 25 s
